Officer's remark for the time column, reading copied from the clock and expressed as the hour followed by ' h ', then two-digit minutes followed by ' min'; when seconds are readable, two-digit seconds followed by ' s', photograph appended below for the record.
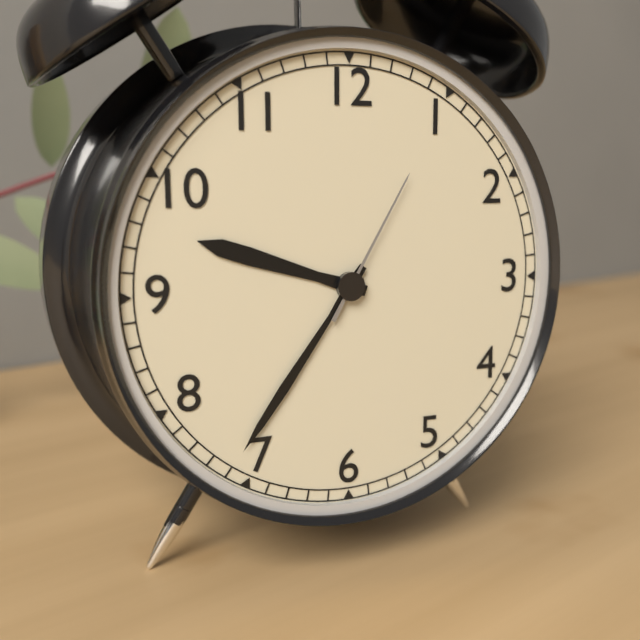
9 h 36 min 05 s
